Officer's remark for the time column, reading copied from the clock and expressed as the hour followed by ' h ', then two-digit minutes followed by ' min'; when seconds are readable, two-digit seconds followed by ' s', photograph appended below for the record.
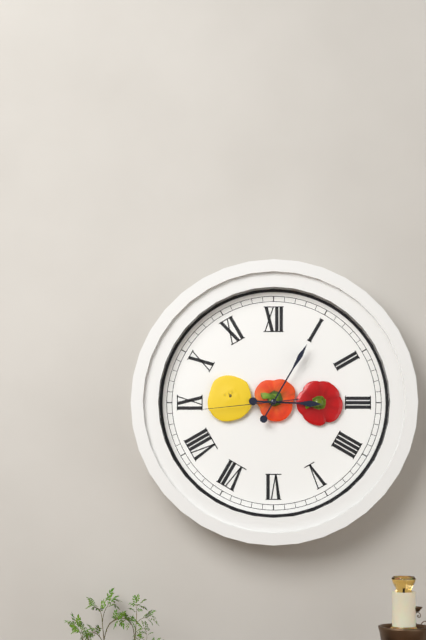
3 h 05 min 44 s
